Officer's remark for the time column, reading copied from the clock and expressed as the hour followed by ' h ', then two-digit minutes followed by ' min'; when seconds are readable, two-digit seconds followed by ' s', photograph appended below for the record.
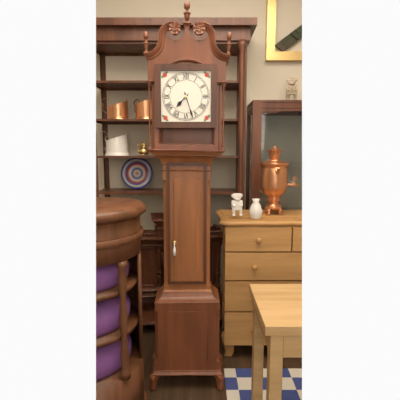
7 h 27 min
